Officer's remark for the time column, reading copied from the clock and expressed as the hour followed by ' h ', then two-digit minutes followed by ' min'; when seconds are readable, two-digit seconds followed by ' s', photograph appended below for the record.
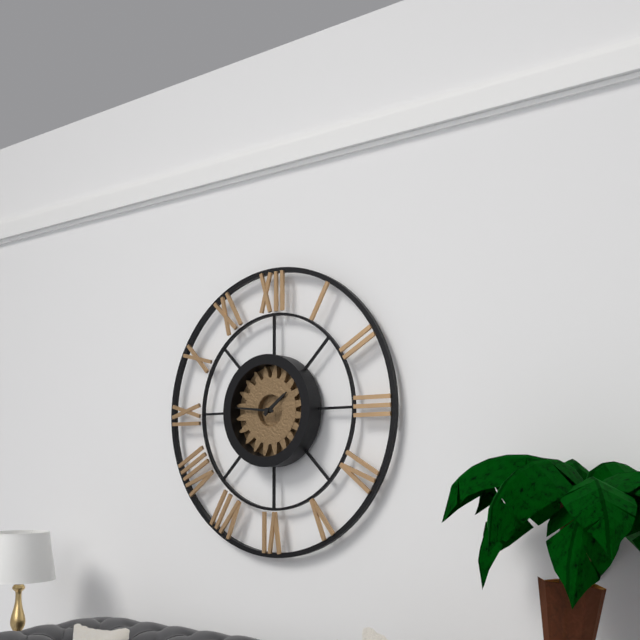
1 h 46 min
